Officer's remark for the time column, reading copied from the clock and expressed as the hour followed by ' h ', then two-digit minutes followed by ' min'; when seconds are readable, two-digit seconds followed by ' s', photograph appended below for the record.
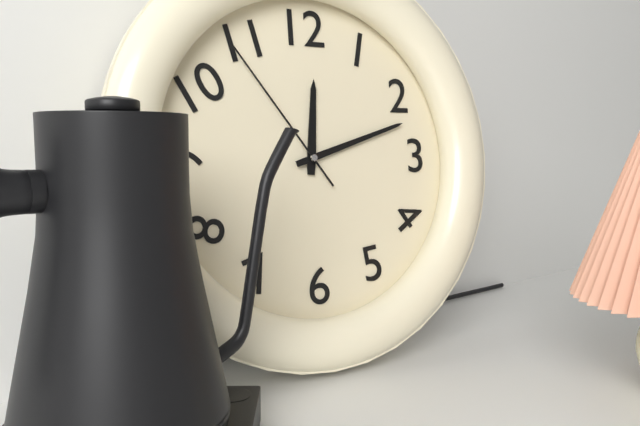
12 h 12 min 54 s
